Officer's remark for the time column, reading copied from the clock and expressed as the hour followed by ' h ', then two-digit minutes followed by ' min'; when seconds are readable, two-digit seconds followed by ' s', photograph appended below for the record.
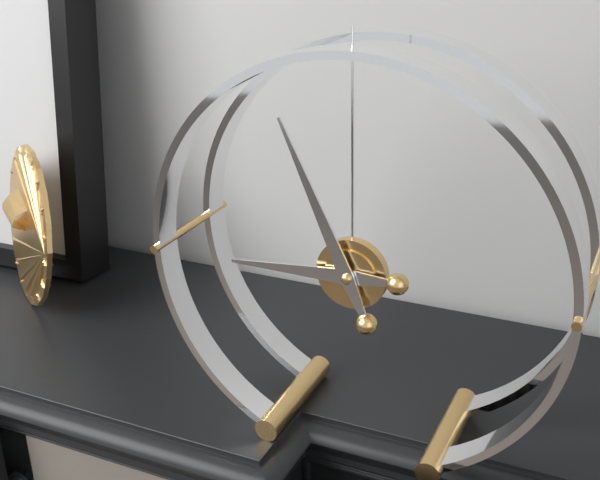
8 h 56 min
